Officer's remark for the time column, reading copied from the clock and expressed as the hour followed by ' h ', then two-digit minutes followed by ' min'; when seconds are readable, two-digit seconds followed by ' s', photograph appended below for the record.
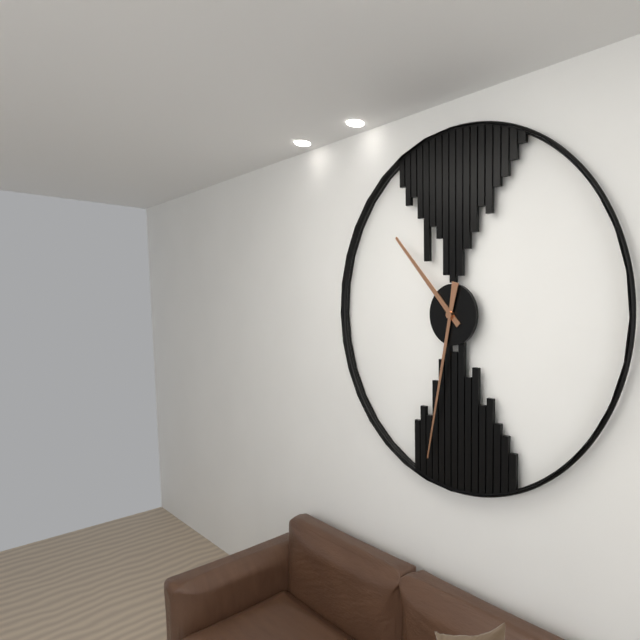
10 h 32 min
